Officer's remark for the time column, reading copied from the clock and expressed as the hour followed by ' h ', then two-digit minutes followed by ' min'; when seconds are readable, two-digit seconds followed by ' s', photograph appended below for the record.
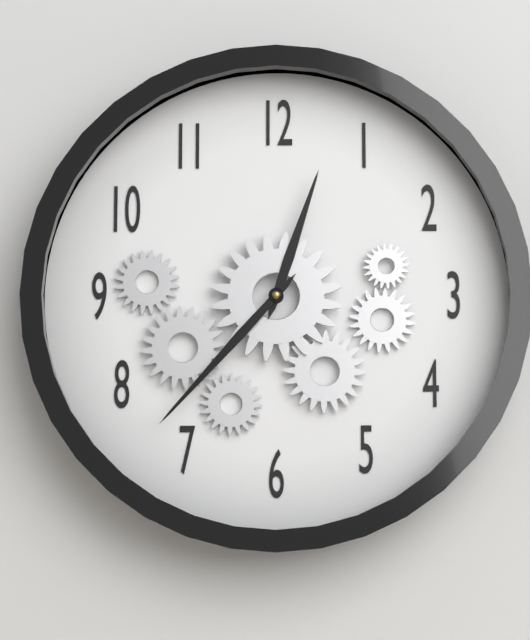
12 h 37 min
